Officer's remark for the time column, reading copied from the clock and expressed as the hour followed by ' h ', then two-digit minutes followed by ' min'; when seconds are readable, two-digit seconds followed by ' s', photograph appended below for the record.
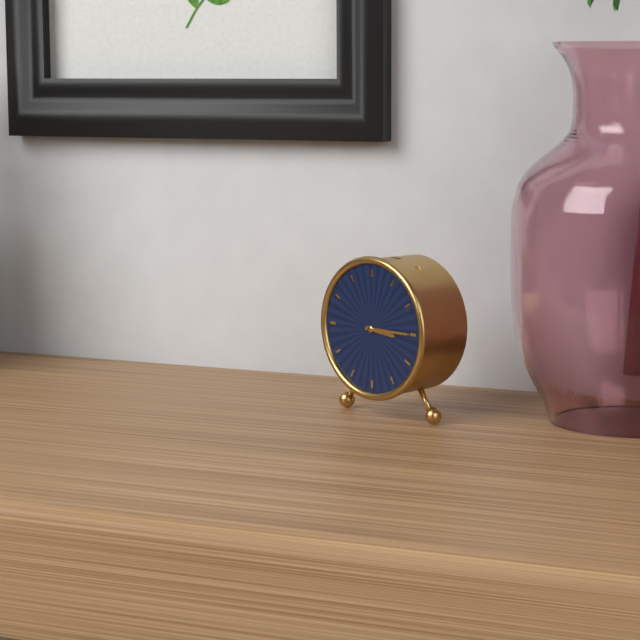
3 h 15 min
